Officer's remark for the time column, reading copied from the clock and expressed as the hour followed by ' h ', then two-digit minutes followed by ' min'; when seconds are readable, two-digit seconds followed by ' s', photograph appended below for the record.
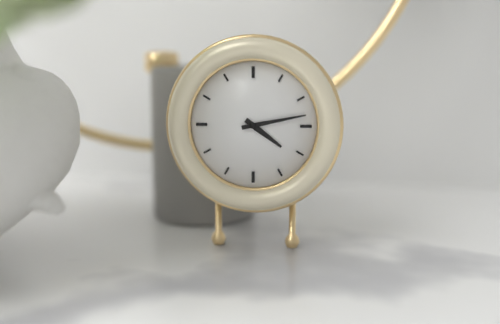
4 h 13 min
